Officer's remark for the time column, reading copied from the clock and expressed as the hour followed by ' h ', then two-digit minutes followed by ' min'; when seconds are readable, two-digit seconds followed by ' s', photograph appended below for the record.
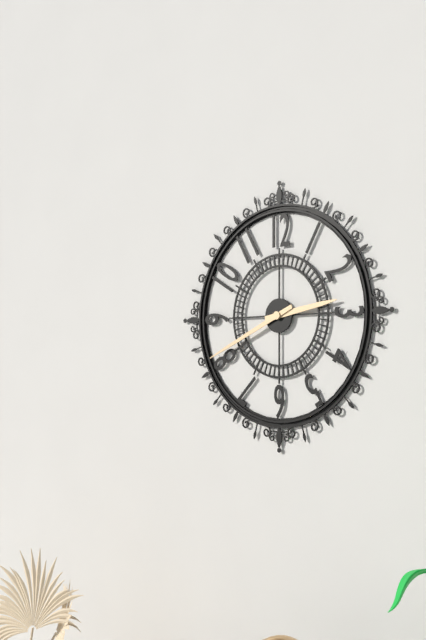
2 h 41 min
